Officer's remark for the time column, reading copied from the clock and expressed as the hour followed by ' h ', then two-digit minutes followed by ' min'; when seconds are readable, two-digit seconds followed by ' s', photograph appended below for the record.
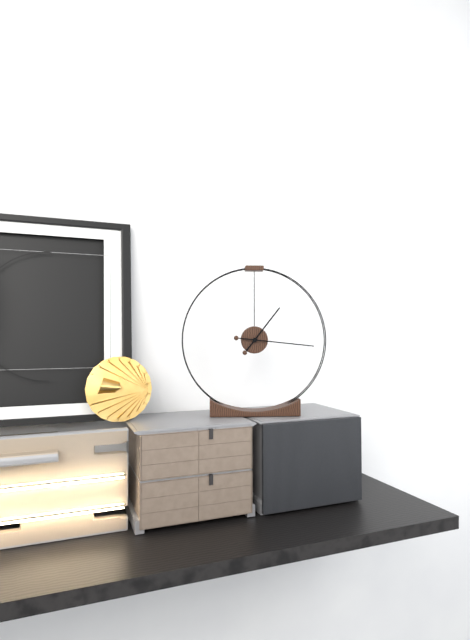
1 h 16 min
